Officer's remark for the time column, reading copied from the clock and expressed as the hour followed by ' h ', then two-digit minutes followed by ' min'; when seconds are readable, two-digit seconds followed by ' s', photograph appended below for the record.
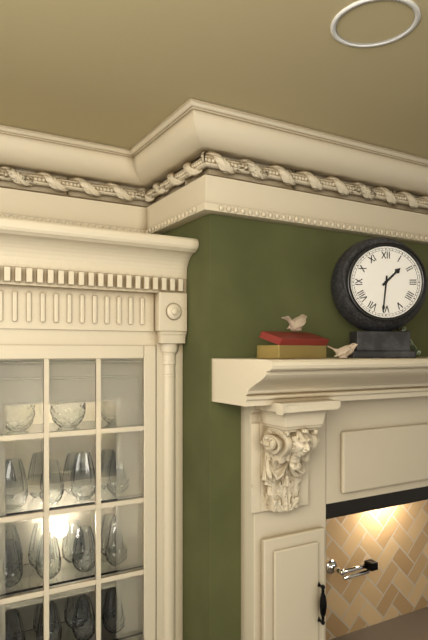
1 h 31 min
